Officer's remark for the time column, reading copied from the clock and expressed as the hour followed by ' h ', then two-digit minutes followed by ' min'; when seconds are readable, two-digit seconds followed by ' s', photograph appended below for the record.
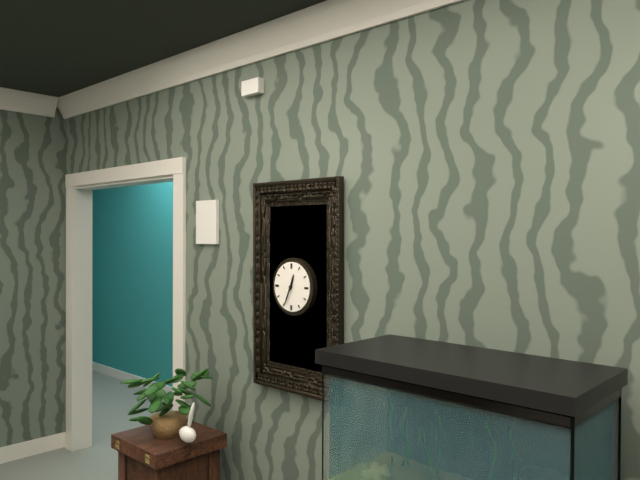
12 h 34 min
